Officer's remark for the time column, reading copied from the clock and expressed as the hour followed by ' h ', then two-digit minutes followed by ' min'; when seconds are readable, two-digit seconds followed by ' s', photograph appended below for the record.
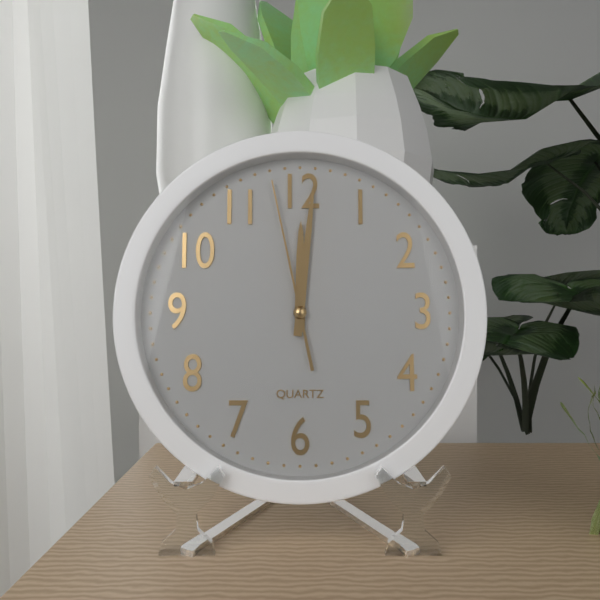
12 h 01 min 58 s
